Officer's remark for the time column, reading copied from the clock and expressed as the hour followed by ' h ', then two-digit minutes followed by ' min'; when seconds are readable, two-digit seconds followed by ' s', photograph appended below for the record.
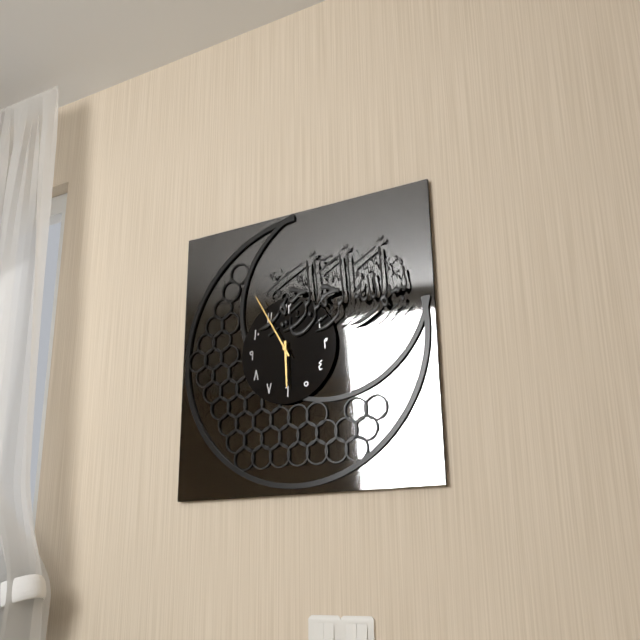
5 h 55 min
